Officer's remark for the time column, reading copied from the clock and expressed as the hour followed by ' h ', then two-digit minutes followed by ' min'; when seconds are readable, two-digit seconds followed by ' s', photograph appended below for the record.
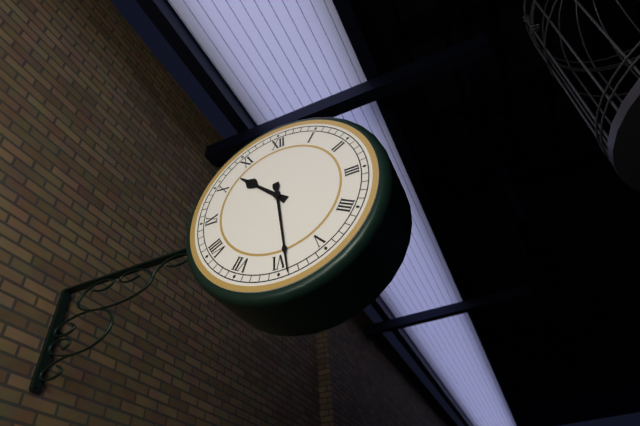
10 h 29 min
